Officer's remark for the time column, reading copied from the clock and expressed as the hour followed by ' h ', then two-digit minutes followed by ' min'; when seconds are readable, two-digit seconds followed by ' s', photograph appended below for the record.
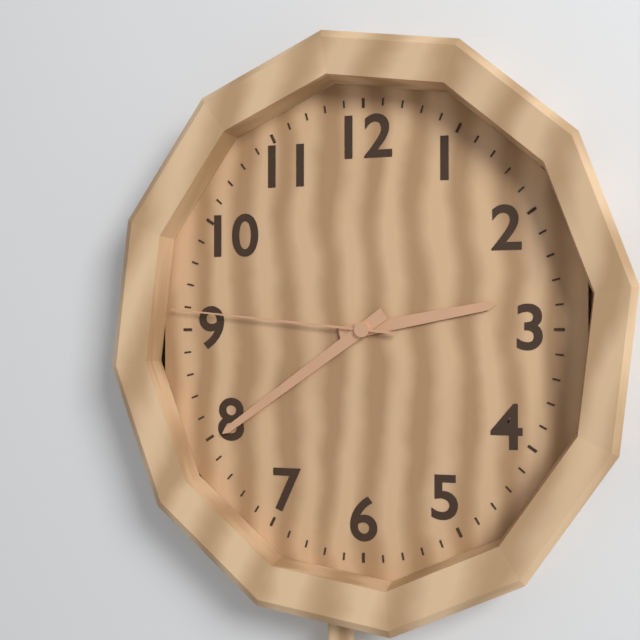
2 h 39 min 46 s
